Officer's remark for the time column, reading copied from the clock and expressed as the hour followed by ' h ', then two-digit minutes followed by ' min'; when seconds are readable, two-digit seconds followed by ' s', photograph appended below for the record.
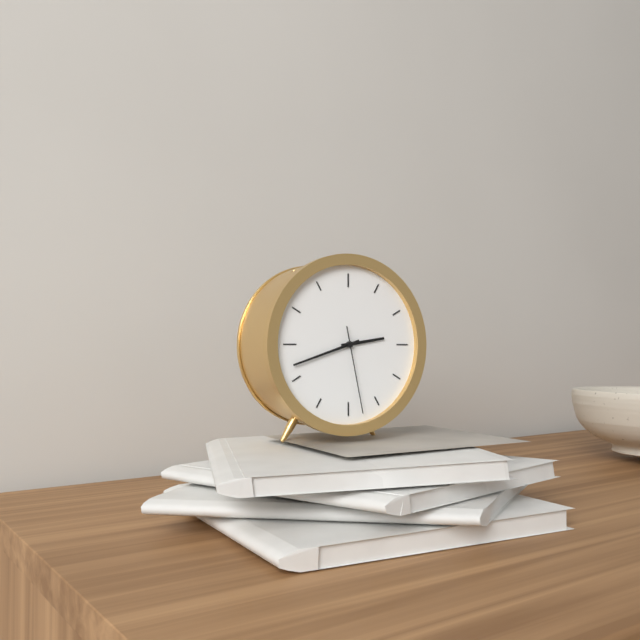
2 h 42 min 28 s
